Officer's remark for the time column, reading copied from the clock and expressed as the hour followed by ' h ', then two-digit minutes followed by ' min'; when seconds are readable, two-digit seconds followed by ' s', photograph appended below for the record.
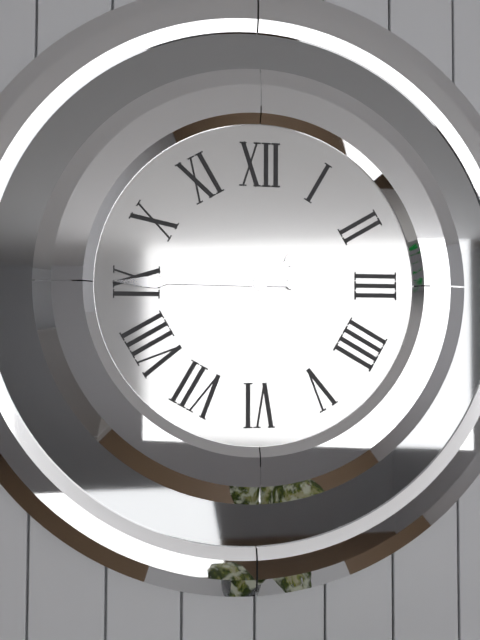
7 h 45 min
